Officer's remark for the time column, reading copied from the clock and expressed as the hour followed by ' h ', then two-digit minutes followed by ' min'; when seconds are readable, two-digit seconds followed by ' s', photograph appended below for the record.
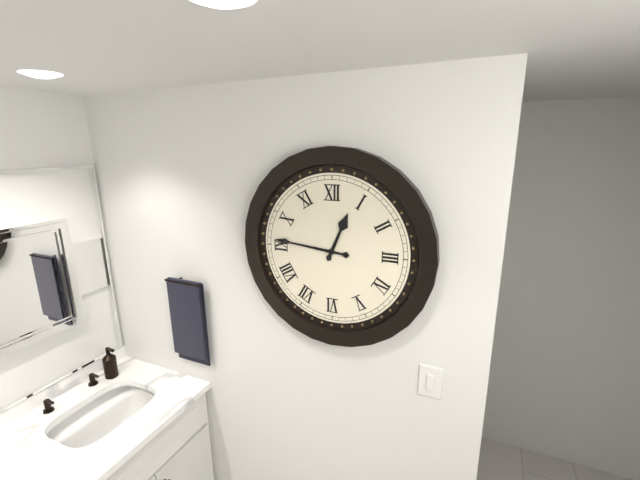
12 h 46 min
